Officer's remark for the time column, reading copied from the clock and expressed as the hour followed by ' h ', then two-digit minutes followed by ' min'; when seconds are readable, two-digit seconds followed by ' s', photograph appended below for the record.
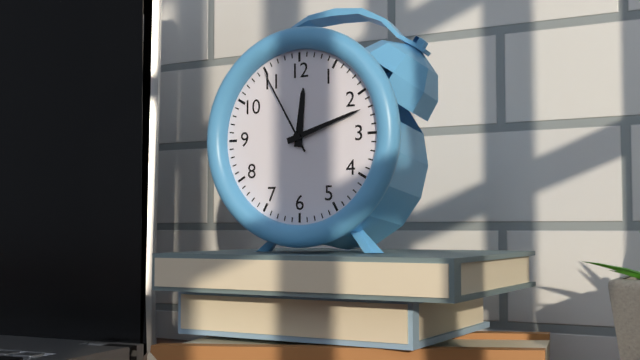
12 h 12 min 55 s
